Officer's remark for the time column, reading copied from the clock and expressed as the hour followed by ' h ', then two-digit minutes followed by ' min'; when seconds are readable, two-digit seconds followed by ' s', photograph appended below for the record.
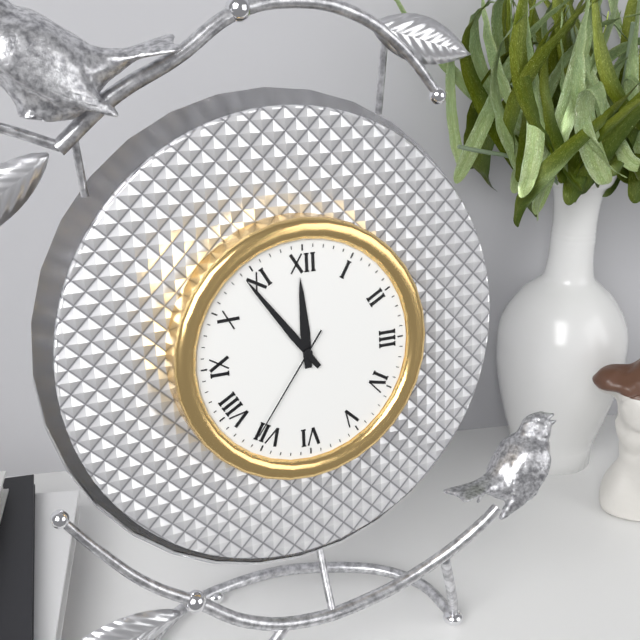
11 h 54 min 36 s
